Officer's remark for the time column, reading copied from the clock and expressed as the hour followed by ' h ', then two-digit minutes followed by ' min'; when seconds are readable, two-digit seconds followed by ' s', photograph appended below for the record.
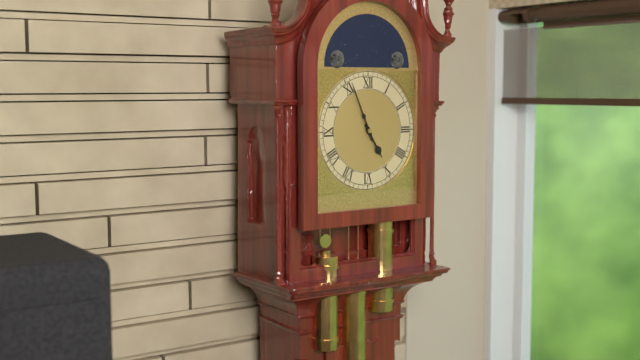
4 h 56 min
